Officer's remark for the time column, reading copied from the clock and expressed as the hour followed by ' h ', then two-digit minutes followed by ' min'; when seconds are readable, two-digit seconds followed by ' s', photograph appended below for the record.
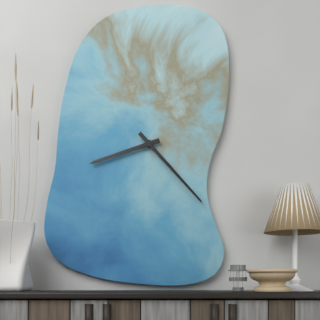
8 h 23 min
